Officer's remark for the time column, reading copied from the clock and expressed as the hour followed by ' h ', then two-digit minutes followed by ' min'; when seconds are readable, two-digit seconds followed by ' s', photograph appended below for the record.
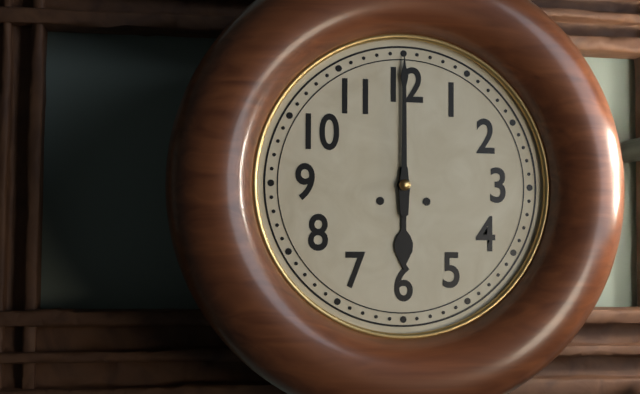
6 h 00 min
